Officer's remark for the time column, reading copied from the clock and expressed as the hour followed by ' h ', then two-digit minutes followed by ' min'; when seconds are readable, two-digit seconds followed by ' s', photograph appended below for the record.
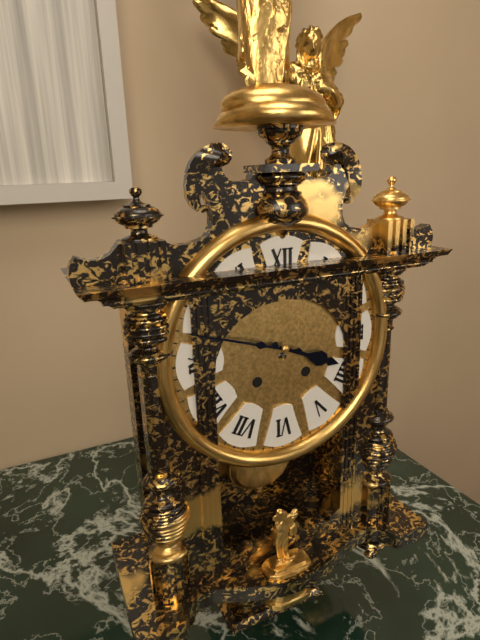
3 h 48 min
